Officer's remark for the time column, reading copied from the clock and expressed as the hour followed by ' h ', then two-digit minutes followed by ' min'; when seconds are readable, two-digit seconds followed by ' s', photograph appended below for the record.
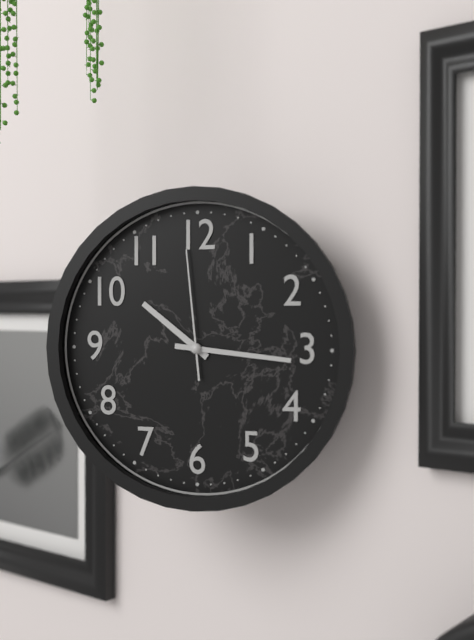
10 h 16 min 59 s
